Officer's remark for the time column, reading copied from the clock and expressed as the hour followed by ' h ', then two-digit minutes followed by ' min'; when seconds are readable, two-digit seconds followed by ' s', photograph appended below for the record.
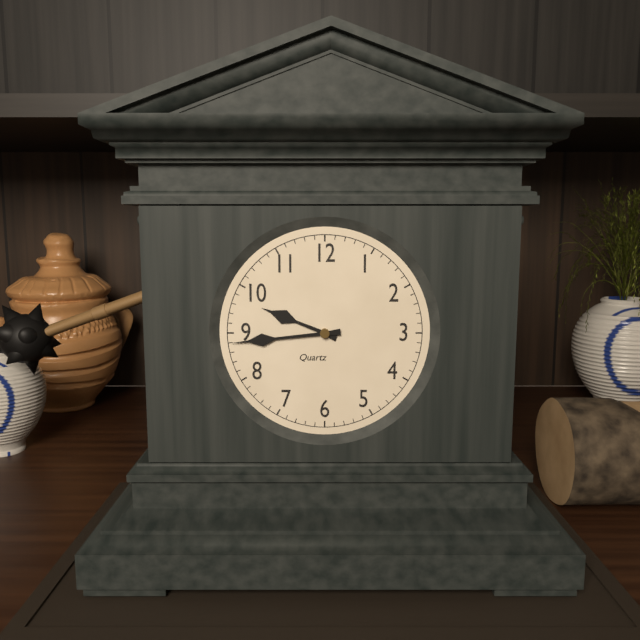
9 h 44 min
